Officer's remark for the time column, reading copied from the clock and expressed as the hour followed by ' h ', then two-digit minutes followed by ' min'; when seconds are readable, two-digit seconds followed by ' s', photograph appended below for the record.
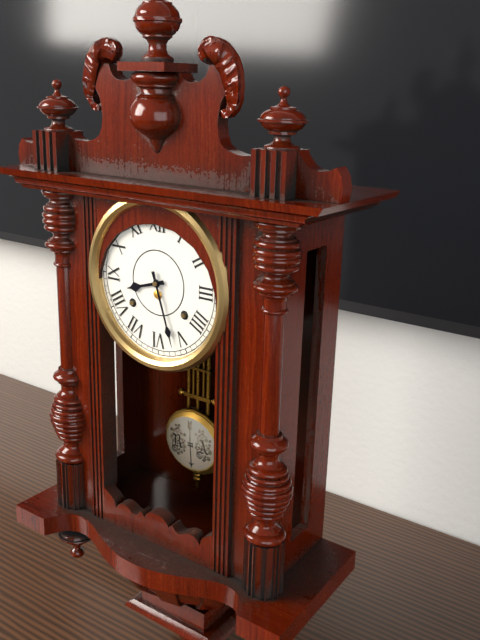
8 h 27 min
